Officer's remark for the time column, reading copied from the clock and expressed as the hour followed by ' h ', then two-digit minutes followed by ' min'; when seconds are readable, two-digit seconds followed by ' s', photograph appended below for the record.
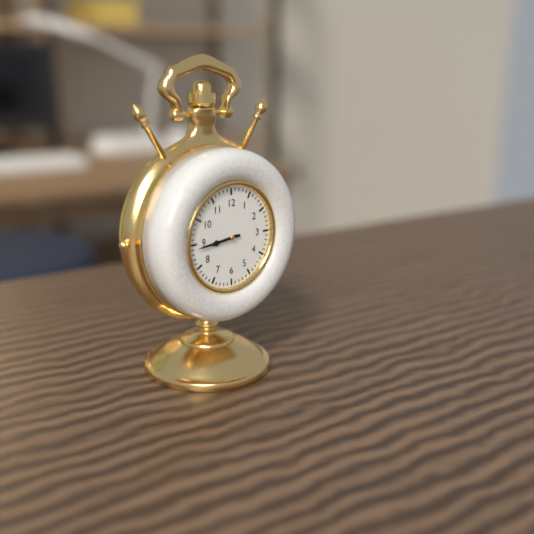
8 h 44 min
